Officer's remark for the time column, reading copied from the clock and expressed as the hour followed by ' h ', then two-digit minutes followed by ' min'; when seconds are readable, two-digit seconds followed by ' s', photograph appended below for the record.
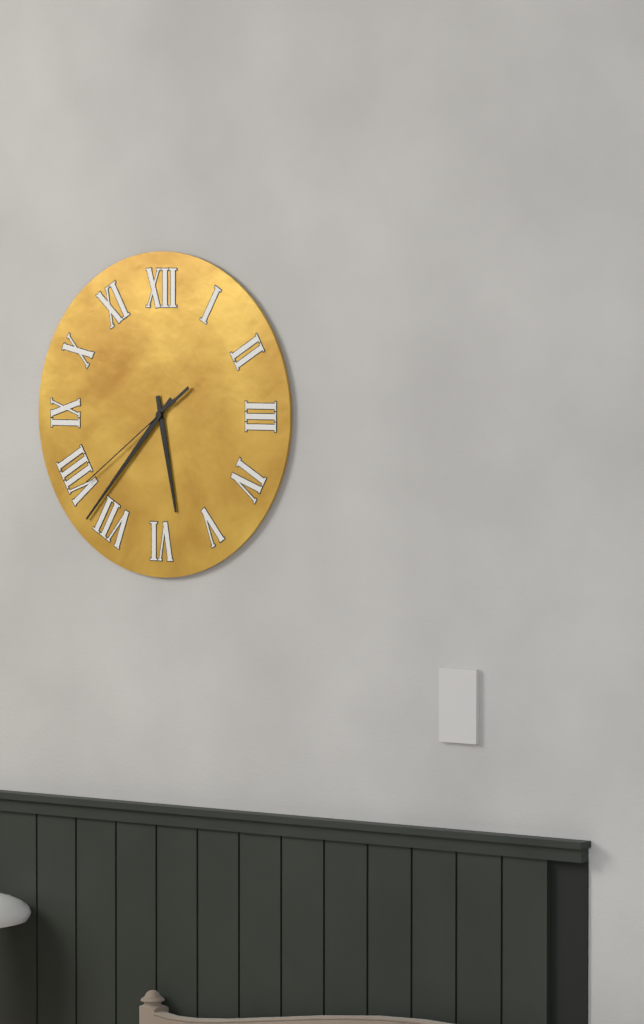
5 h 37 min 39 s
